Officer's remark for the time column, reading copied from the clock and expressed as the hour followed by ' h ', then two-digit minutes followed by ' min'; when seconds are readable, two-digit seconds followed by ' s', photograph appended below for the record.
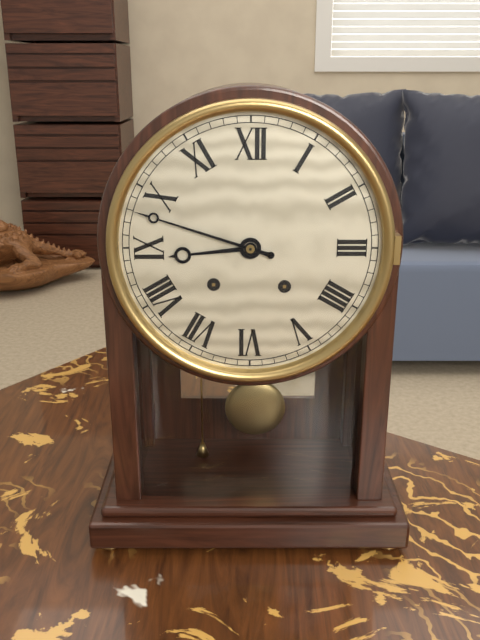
8 h 48 min
